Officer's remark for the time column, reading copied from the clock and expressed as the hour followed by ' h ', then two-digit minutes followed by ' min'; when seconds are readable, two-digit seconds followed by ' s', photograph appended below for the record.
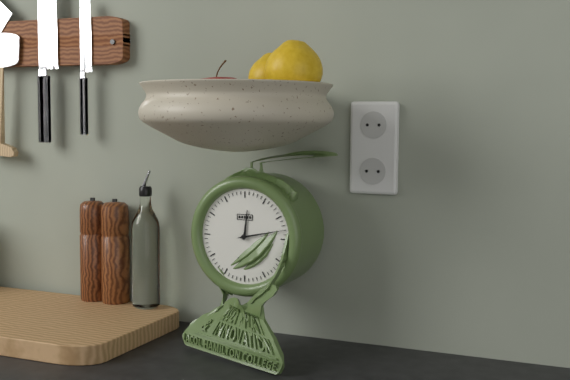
12 h 13 min
